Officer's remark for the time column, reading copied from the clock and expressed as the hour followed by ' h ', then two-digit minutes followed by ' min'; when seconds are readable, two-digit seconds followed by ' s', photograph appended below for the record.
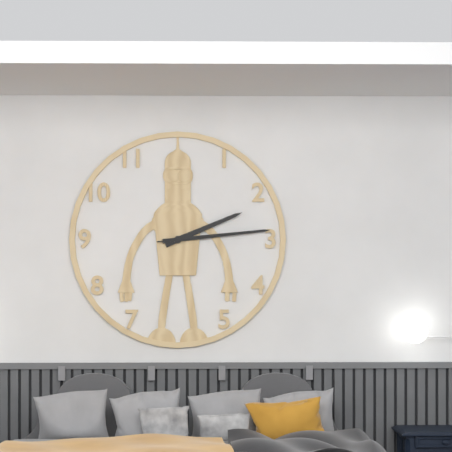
2 h 14 min 14 s
